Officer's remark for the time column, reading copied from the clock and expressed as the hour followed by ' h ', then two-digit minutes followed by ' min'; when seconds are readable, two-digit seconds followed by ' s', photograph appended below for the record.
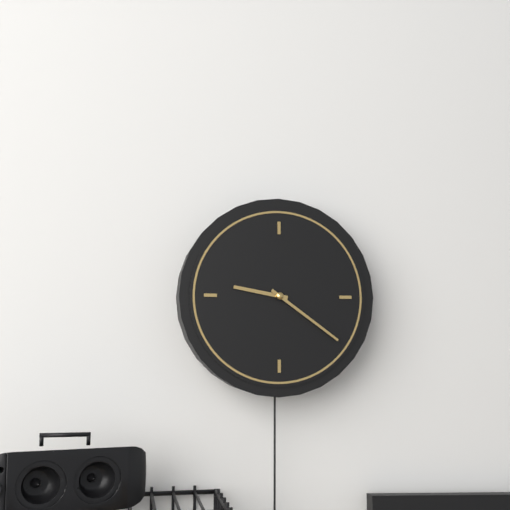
9 h 21 min
